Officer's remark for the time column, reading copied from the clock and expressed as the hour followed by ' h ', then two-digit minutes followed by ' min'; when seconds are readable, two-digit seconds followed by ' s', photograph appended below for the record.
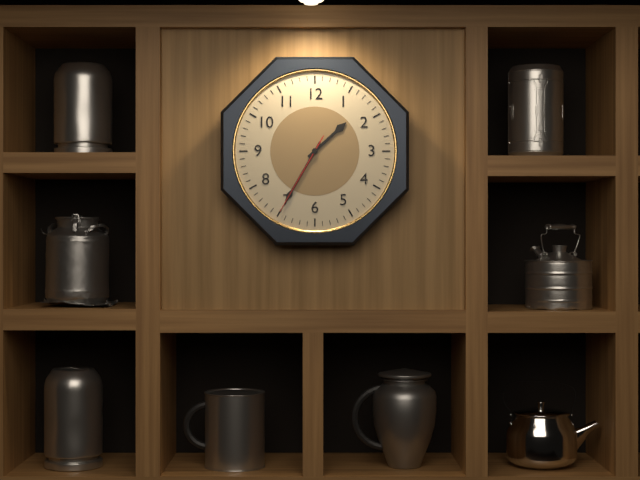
1 h 35 min 35 s
